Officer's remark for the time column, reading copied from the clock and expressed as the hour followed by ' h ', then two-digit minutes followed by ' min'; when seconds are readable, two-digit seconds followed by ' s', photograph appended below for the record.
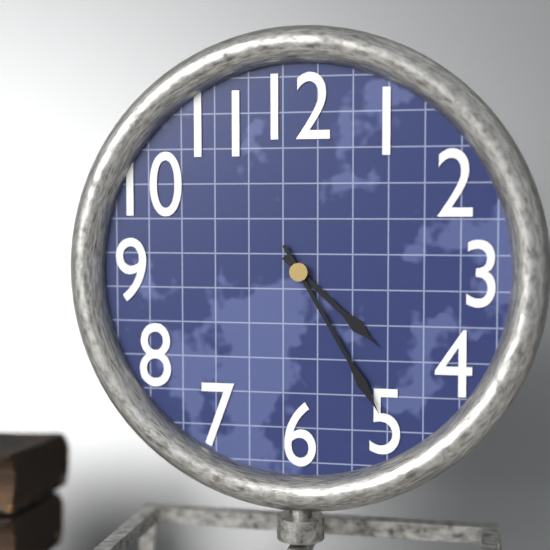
4 h 25 min
